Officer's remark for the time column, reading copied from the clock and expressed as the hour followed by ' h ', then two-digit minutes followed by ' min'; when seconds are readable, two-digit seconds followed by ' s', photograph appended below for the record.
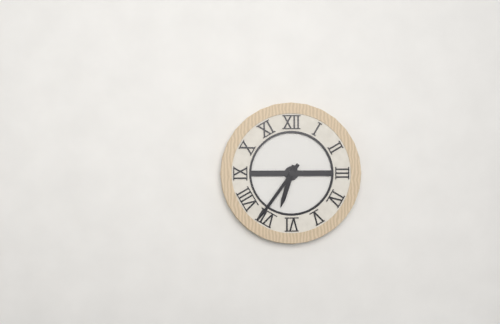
6 h 36 min
